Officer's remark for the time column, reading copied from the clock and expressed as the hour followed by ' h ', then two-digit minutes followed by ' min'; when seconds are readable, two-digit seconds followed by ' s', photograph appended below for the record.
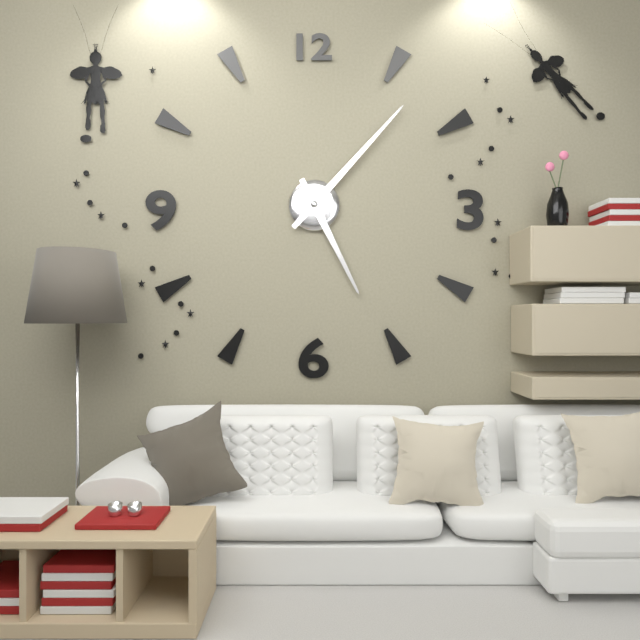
5 h 07 min
